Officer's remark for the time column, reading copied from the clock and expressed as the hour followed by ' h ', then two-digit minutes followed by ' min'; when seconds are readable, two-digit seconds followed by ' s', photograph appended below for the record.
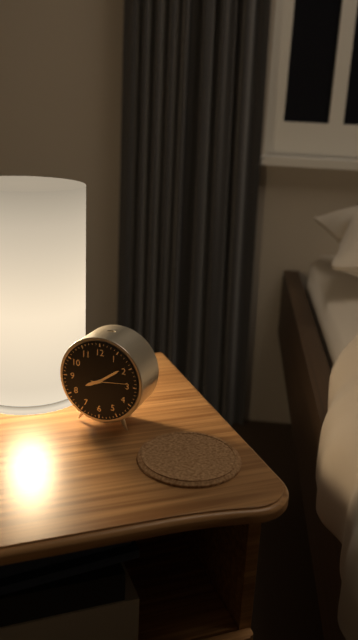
8 h 09 min
